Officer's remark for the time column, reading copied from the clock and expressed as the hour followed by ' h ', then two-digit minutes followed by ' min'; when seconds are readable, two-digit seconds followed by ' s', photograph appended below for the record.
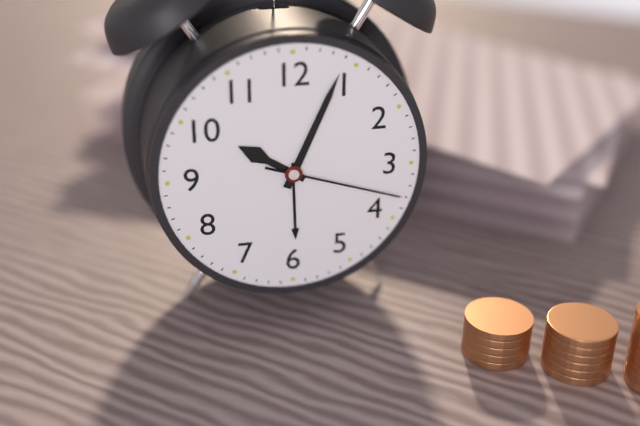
10 h 04 min 18 s
